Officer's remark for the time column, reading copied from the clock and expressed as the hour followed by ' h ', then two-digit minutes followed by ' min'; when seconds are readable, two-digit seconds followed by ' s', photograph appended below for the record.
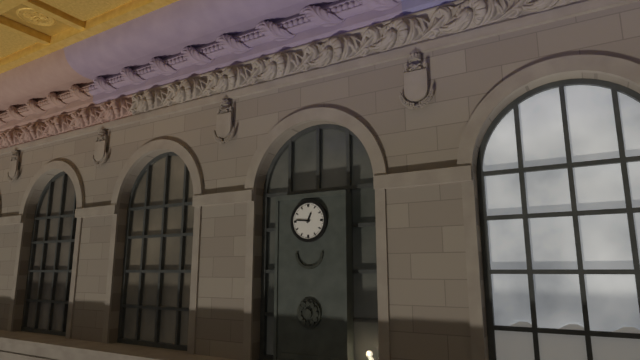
12 h 46 min
